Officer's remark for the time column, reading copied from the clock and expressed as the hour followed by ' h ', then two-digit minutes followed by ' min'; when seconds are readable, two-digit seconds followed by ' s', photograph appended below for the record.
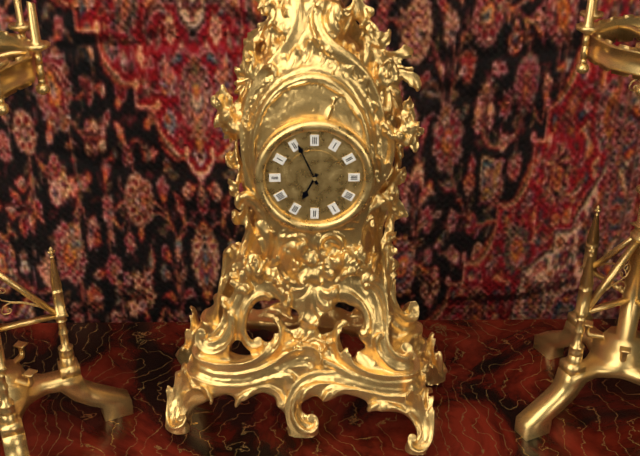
6 h 56 min
